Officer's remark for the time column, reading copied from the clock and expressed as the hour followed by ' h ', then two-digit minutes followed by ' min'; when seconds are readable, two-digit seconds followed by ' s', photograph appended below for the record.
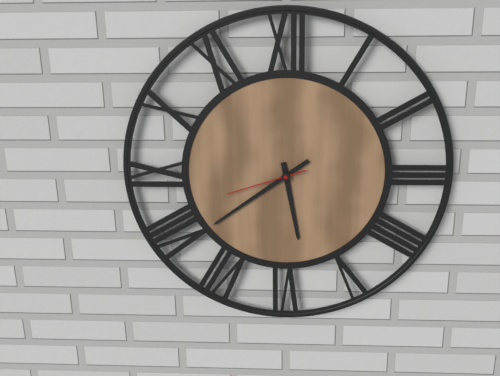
5 h 39 min 42 s
